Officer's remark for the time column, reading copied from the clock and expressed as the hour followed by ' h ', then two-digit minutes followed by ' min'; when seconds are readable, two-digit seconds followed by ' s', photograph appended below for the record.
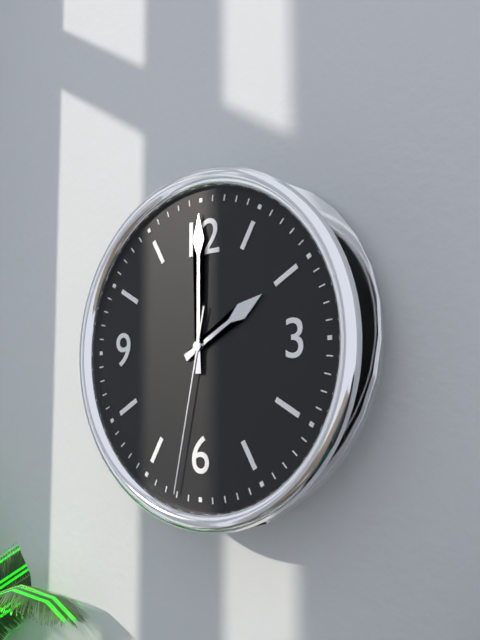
2 h 00 min 32 s
